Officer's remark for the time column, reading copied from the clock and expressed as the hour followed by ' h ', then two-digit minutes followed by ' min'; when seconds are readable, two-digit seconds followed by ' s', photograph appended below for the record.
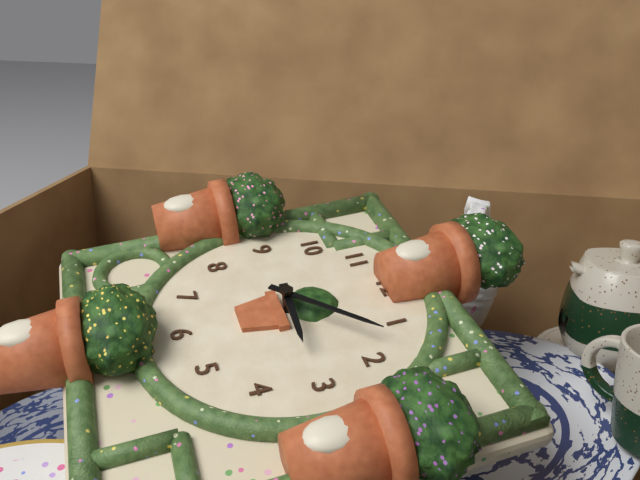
3 h 08 min
